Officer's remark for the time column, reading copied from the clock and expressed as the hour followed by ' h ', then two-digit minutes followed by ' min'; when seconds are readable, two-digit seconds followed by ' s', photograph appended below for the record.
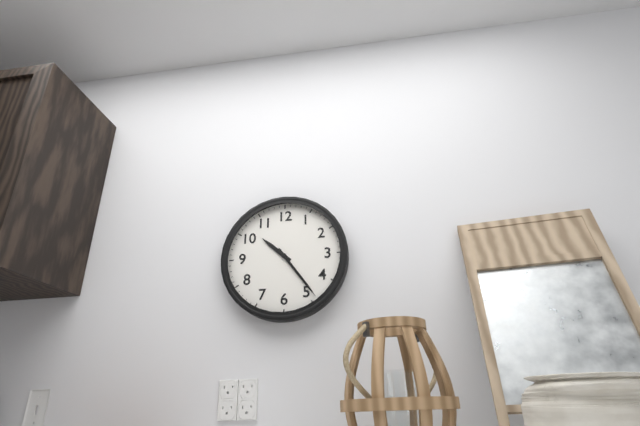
10 h 24 min
